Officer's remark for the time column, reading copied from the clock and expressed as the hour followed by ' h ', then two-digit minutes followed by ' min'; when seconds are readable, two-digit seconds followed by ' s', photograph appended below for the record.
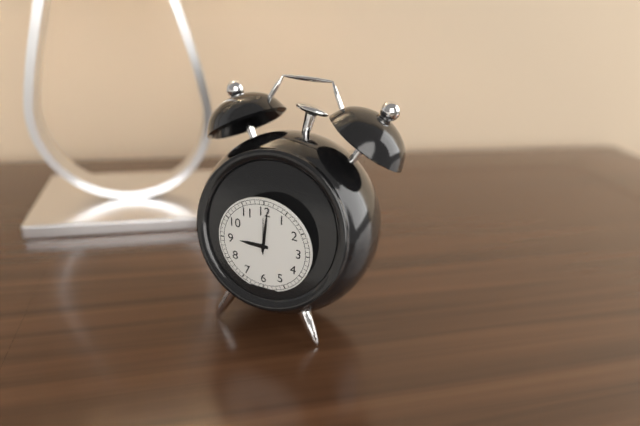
9 h 01 min
